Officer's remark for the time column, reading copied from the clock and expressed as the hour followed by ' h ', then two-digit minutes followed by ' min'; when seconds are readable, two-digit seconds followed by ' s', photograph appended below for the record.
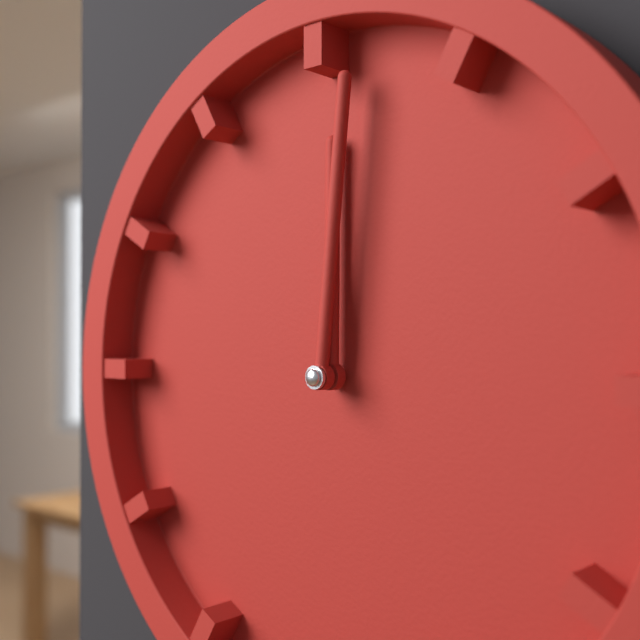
12 h 01 min
